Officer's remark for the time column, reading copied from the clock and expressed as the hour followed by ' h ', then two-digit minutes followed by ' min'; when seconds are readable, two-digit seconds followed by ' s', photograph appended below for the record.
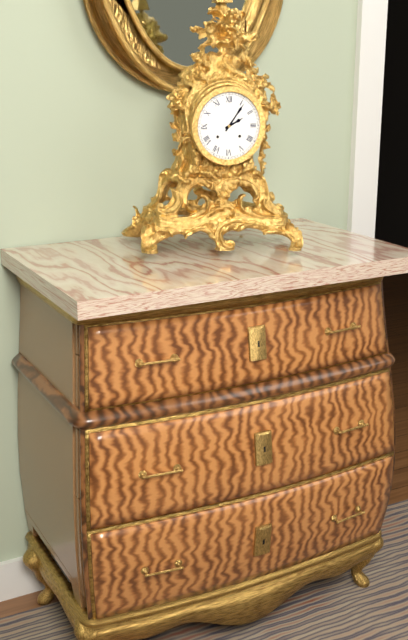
2 h 06 min
